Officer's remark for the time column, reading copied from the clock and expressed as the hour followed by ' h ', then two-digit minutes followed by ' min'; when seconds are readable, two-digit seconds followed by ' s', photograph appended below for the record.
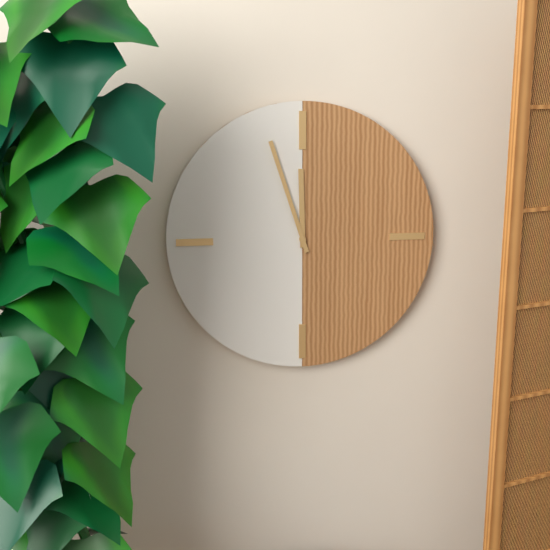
11 h 57 min
